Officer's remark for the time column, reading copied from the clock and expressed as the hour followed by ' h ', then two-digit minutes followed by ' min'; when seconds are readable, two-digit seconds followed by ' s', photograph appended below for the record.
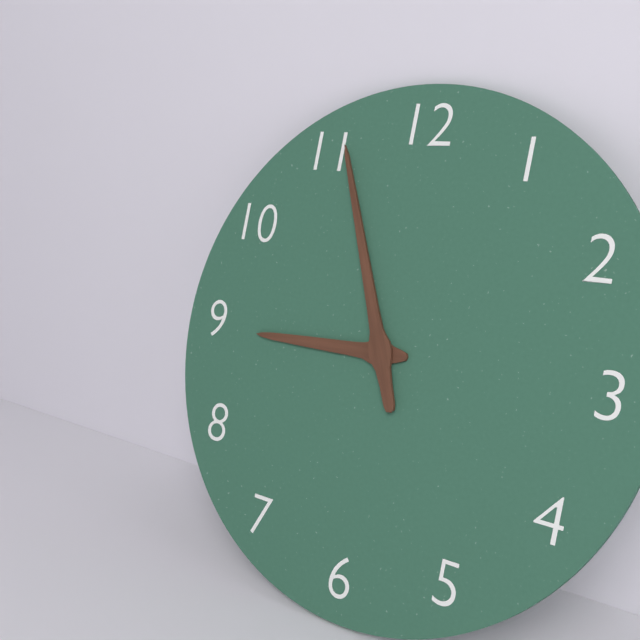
8 h 56 min
